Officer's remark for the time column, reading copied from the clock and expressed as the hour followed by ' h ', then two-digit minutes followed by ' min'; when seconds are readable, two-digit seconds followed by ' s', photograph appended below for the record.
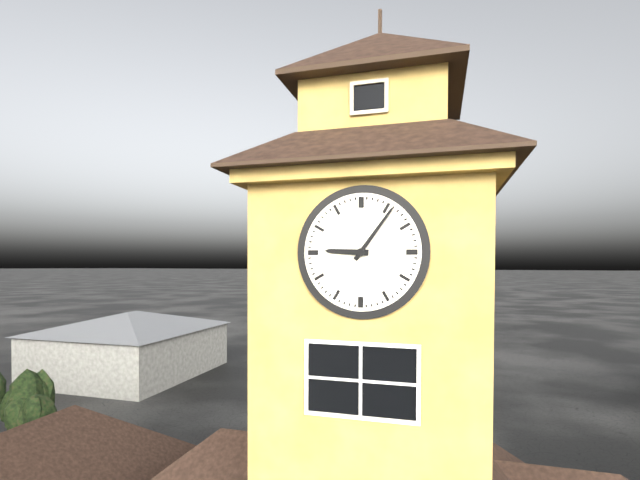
9 h 06 min
